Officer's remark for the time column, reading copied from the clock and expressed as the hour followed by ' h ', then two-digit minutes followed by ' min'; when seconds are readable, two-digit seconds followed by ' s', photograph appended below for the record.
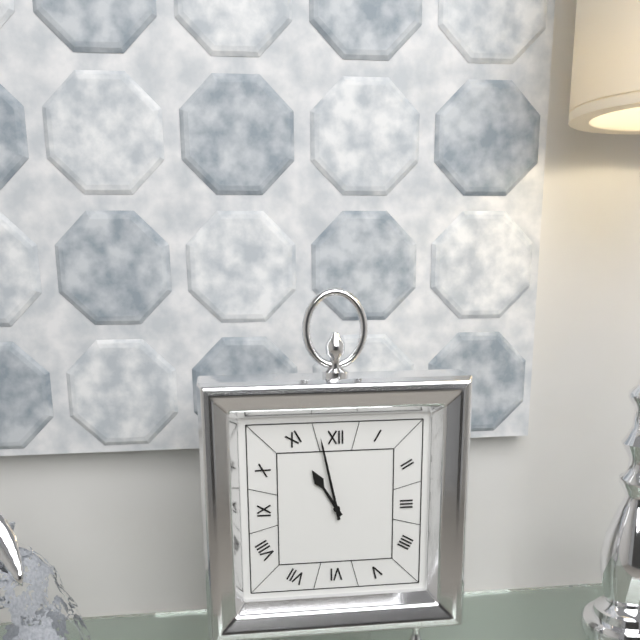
10 h 58 min
